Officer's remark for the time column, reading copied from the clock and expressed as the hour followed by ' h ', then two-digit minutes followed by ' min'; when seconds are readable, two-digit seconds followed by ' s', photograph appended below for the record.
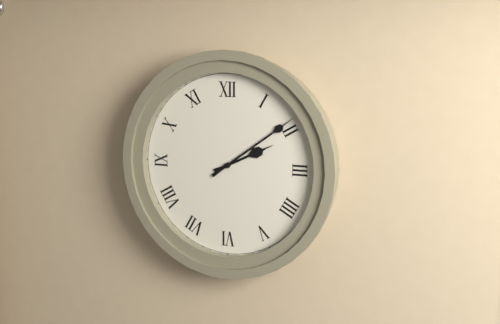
2 h 09 min
